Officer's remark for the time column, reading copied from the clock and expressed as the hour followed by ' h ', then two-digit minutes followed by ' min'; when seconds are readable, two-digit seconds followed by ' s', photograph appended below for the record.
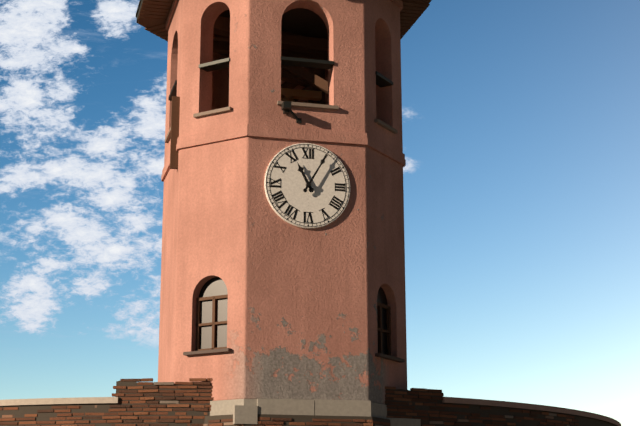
11 h 05 min
